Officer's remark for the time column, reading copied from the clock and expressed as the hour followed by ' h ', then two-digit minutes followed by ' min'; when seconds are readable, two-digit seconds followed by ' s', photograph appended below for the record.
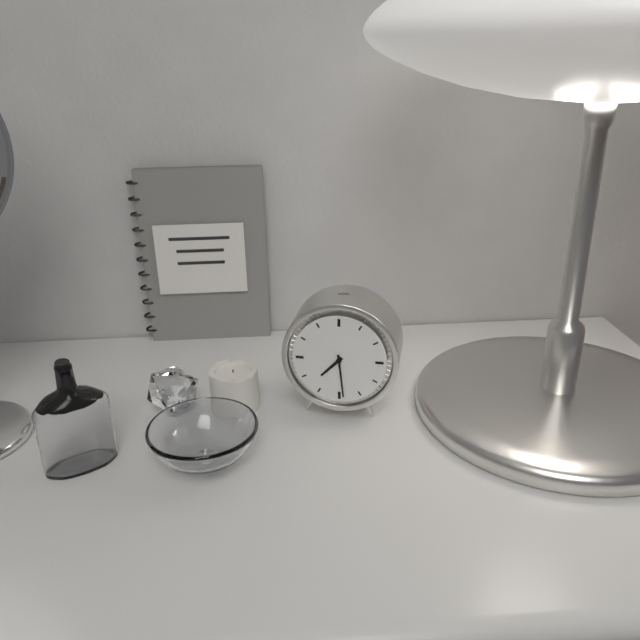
7 h 29 min
